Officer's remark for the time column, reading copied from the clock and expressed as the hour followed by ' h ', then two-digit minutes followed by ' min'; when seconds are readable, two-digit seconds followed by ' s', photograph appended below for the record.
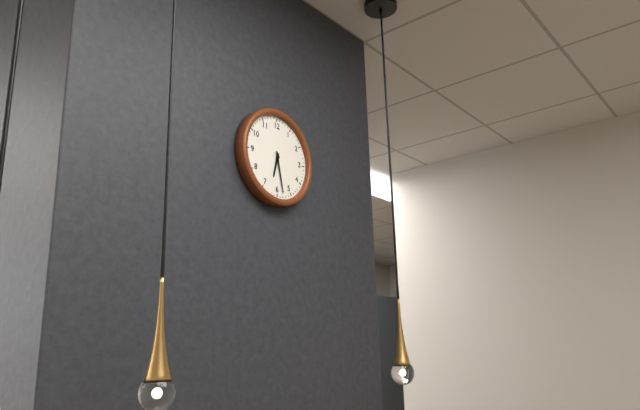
6 h 28 min
